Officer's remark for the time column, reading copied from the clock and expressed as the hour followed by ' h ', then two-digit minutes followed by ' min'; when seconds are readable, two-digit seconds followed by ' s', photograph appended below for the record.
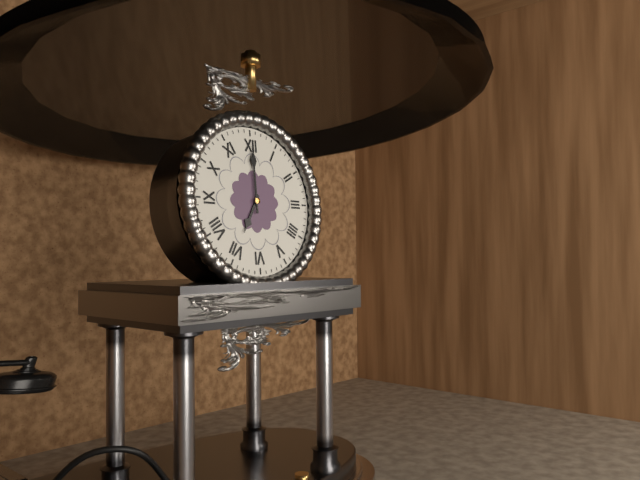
7 h 00 min
